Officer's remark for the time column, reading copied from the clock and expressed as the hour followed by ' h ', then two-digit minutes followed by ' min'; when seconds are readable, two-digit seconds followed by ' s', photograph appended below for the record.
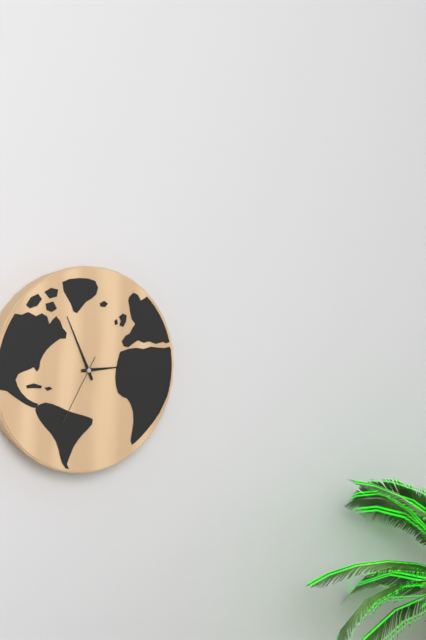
2 h 56 min 35 s
